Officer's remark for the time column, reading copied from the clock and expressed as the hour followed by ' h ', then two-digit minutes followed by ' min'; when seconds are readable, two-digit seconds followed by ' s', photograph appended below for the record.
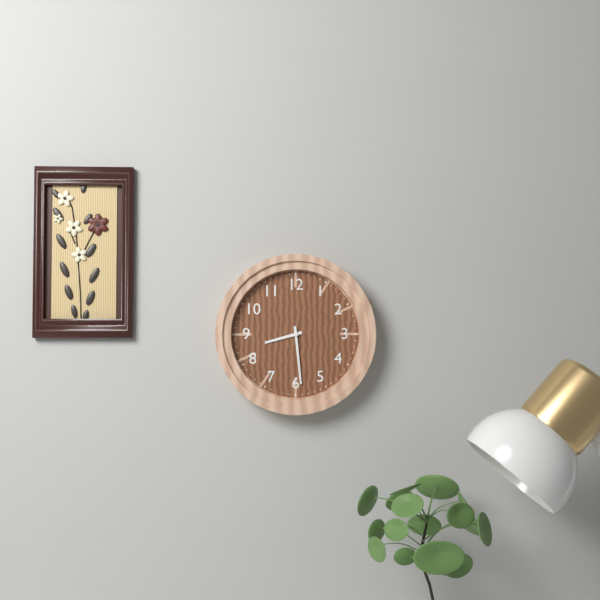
8 h 29 min
